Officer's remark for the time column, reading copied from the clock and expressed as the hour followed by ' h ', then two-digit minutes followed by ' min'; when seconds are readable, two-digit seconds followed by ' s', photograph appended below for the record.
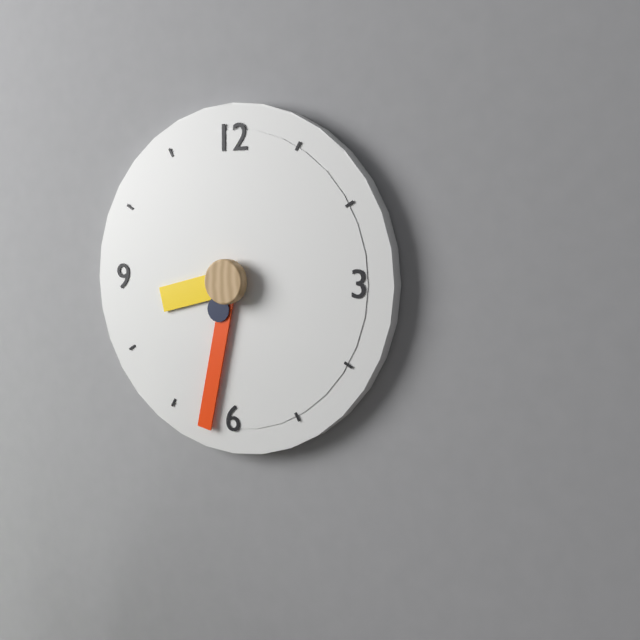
8 h 32 min 34 s
